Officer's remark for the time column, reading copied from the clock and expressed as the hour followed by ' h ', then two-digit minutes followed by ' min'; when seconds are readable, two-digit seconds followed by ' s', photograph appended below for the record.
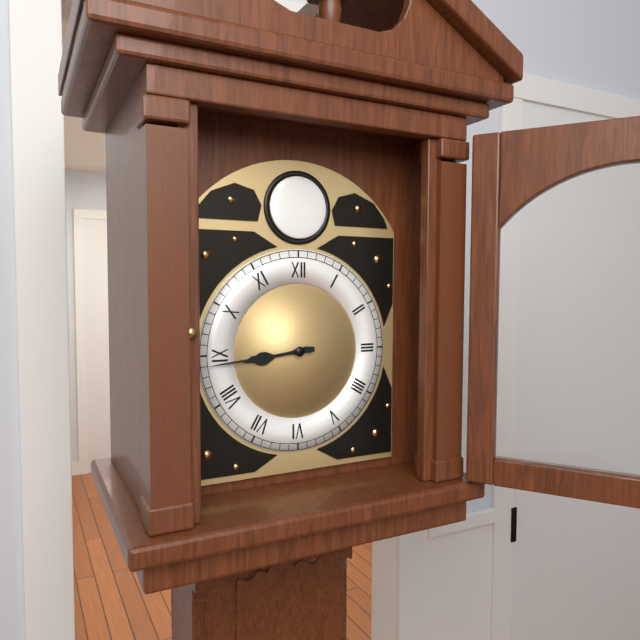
8 h 44 min
